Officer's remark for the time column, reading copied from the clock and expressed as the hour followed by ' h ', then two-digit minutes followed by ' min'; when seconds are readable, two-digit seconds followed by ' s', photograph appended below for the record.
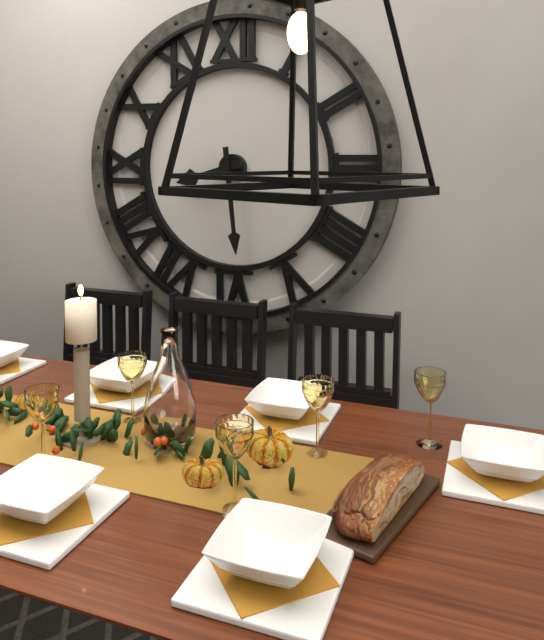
8 h 29 min
